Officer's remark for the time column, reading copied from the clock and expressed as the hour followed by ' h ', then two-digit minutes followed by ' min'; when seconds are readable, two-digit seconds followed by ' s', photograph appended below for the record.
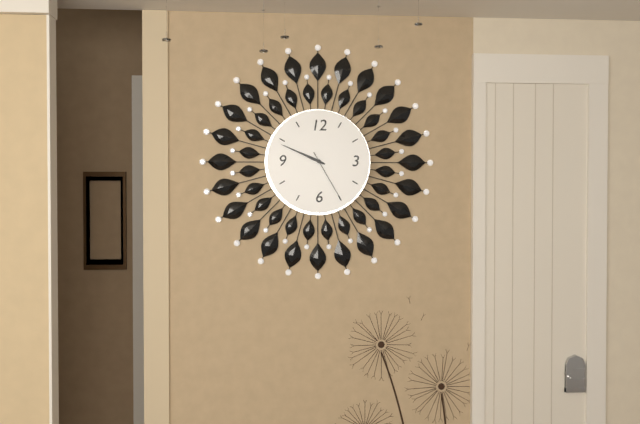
9 h 49 min 25 s
